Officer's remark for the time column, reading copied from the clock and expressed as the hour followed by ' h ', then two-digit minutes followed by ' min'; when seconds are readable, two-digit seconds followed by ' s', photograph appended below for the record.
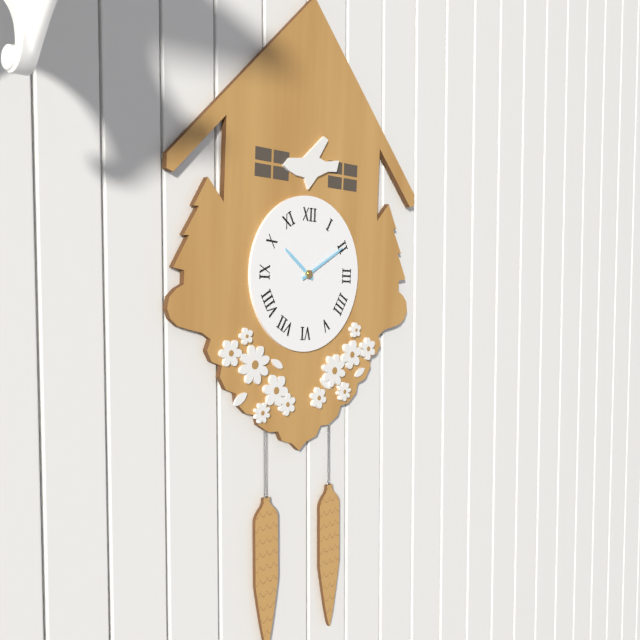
10 h 10 min
